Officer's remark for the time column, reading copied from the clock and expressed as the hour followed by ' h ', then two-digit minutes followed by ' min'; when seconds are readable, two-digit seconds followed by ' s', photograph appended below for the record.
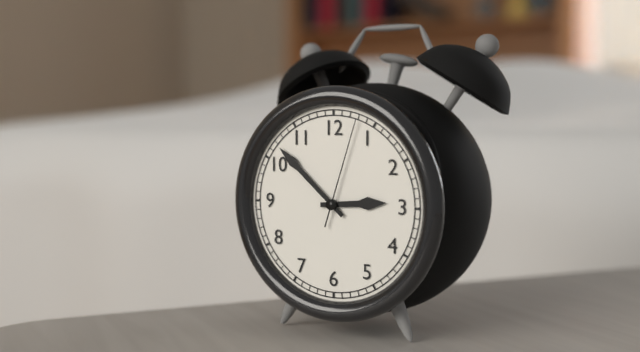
2 h 52 min 03 s
